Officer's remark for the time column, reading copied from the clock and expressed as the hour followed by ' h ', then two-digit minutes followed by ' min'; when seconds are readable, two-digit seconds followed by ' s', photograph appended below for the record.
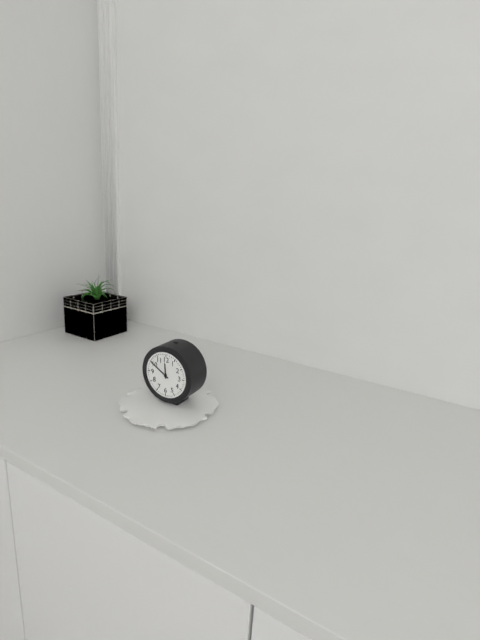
11 h 50 min
